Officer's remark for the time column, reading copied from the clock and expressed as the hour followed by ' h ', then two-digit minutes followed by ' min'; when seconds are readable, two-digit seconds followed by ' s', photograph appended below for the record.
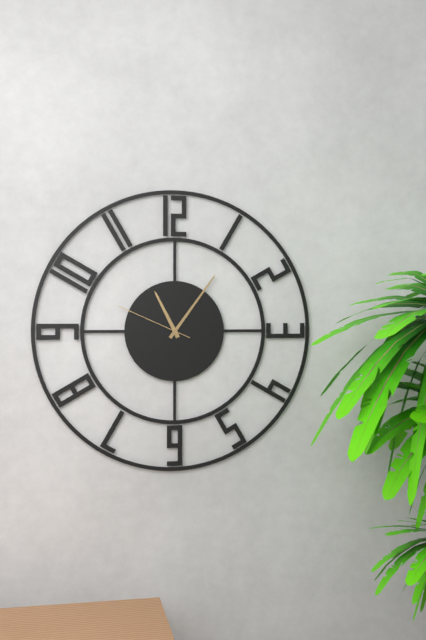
11 h 06 min 49 s
